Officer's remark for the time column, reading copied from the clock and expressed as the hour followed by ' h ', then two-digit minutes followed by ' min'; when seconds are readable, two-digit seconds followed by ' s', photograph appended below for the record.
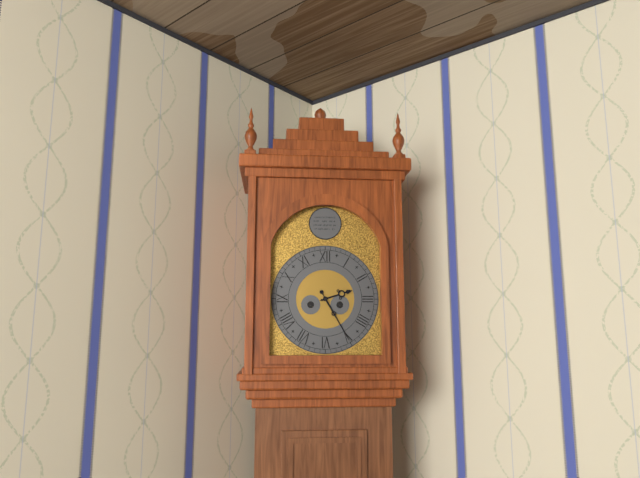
2 h 25 min
